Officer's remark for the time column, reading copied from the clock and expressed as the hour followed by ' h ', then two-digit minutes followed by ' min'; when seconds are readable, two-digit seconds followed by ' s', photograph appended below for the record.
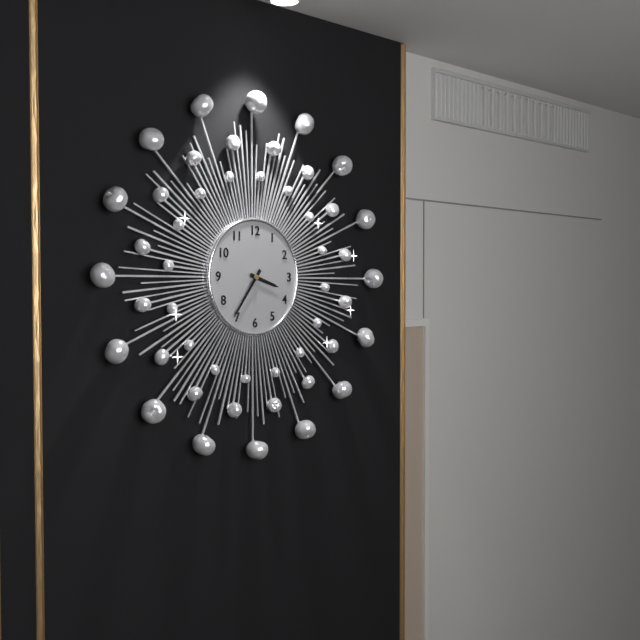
3 h 36 min
